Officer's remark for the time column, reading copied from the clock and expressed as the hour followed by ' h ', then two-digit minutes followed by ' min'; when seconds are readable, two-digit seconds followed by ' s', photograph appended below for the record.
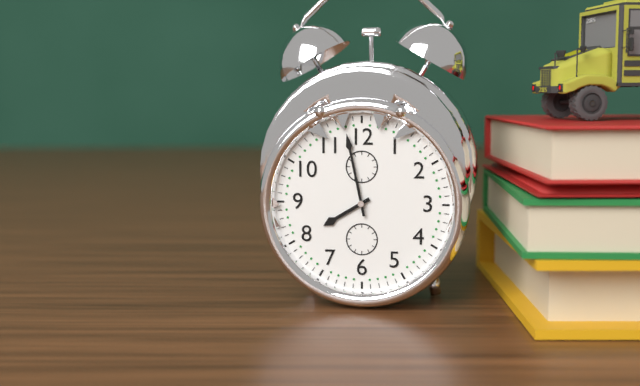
7 h 58 min
